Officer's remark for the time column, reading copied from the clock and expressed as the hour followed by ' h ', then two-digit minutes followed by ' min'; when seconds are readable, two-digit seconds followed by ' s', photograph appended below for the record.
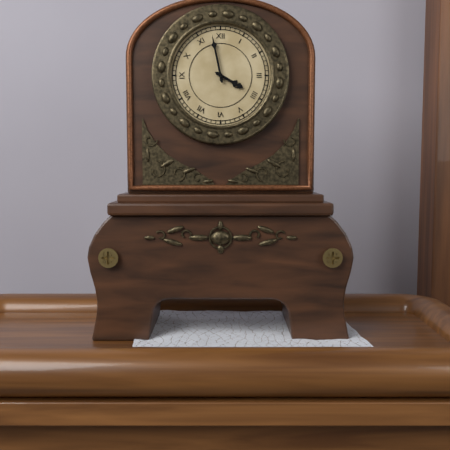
3 h 58 min
